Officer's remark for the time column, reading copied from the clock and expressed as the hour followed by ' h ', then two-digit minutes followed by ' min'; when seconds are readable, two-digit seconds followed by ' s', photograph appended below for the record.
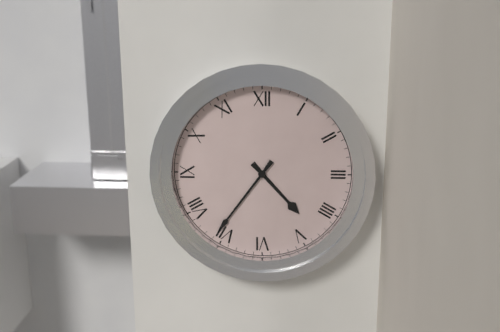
4 h 36 min
